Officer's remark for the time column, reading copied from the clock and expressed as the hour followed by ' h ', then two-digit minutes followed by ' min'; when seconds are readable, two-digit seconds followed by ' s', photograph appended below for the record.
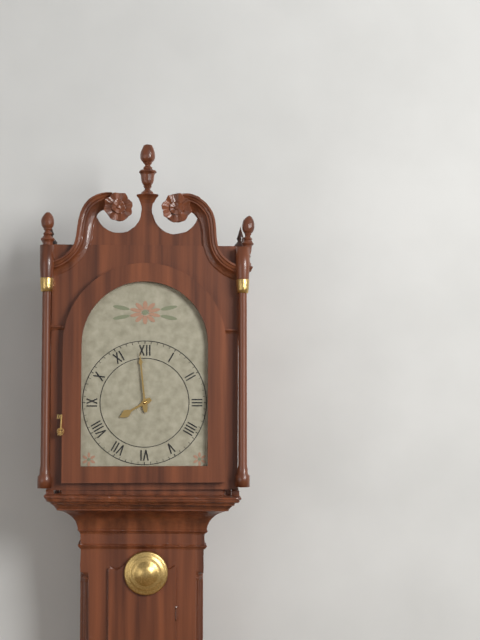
7 h 59 min
